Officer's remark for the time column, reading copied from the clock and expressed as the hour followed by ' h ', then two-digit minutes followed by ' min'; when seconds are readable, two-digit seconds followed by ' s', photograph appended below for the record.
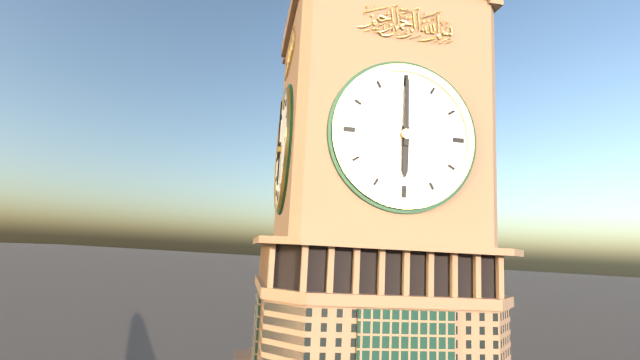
6 h 00 min
